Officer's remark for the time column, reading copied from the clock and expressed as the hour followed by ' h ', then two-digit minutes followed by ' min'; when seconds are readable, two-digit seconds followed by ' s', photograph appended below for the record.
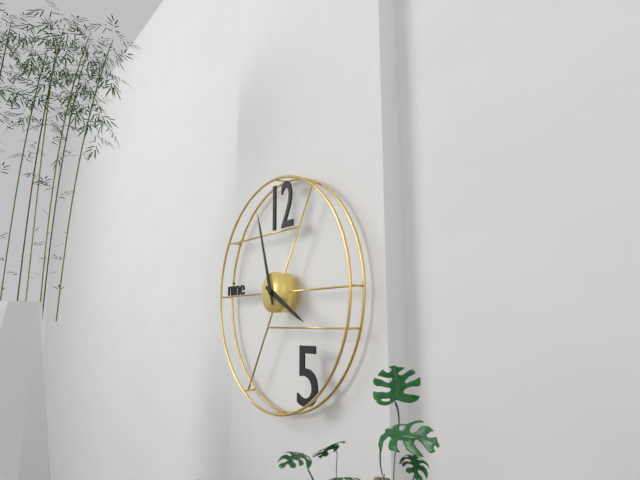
3 h 57 min
